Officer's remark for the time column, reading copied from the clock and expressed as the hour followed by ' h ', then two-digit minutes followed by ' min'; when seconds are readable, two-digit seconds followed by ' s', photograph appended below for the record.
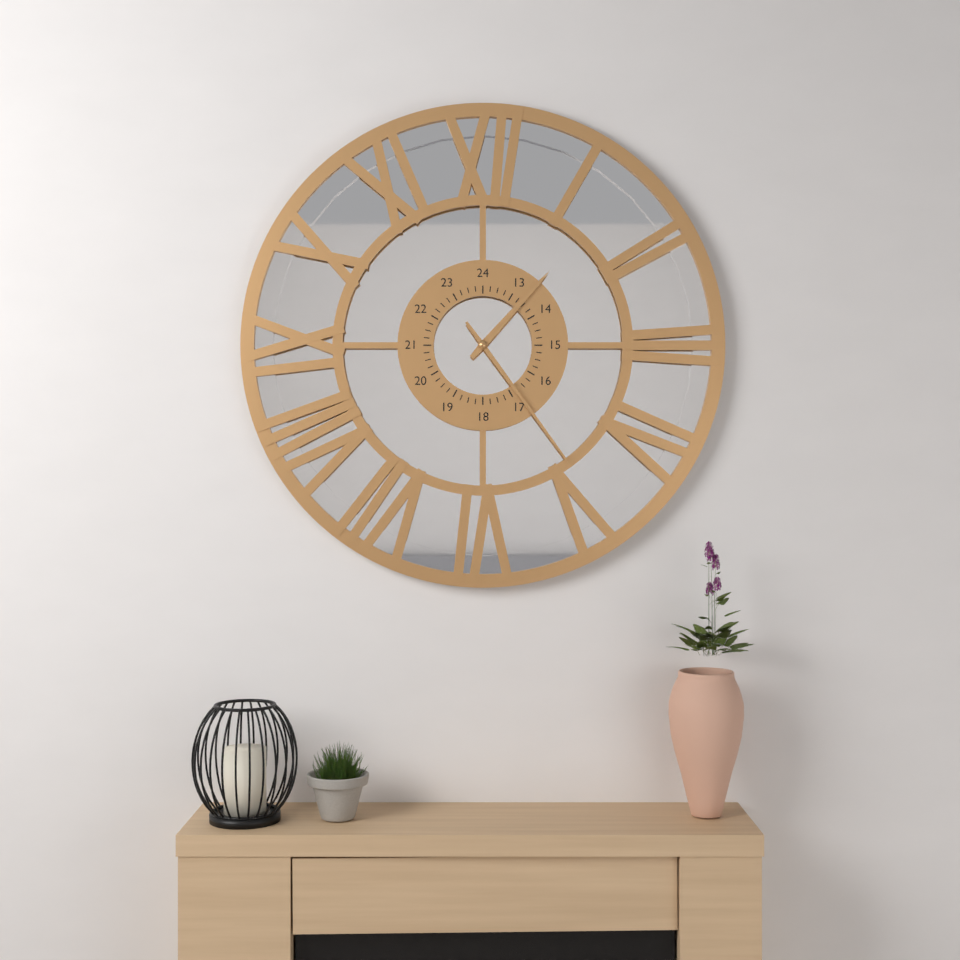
1 h 24 min
